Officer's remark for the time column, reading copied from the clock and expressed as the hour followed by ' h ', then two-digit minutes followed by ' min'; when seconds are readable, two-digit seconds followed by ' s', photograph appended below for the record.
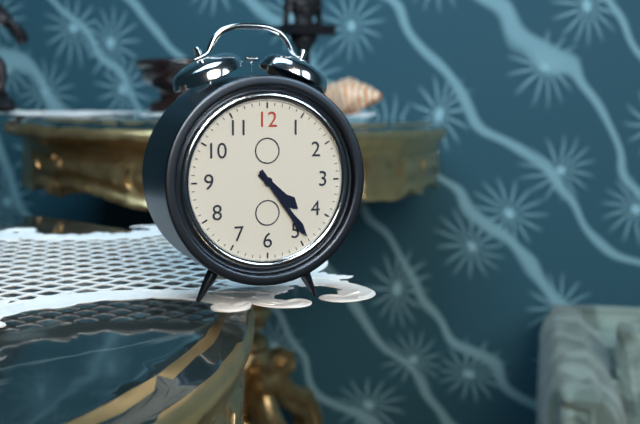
4 h 24 min
